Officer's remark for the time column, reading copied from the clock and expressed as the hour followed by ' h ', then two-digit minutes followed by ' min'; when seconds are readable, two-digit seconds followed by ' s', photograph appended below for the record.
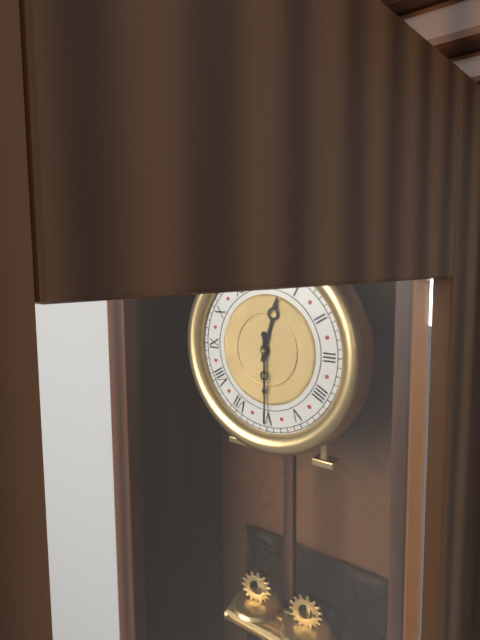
12 h 30 min
